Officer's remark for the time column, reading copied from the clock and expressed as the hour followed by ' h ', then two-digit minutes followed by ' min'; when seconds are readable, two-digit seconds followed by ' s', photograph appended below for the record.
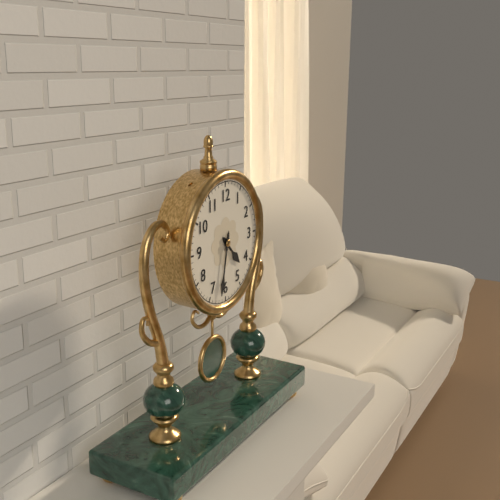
4 h 32 min
